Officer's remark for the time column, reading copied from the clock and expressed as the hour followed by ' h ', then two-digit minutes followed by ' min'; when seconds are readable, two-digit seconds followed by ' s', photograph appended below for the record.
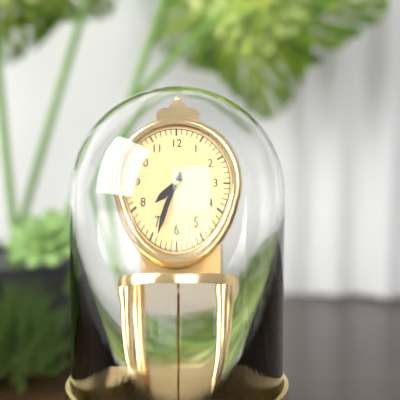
7 h 34 min
